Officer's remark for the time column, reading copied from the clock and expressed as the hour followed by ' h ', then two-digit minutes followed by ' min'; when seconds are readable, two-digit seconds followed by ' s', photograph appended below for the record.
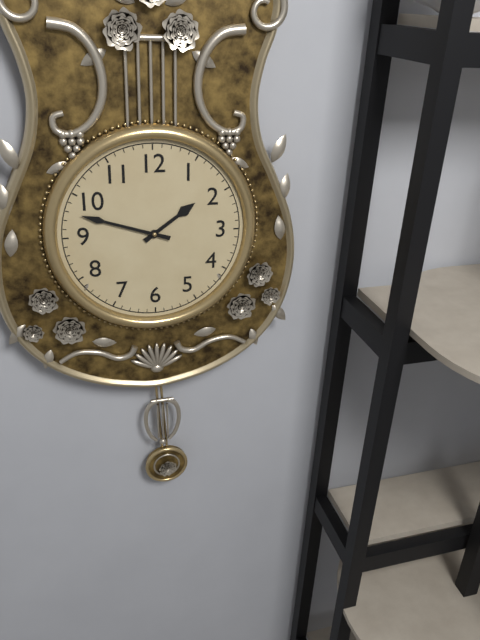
1 h 48 min
